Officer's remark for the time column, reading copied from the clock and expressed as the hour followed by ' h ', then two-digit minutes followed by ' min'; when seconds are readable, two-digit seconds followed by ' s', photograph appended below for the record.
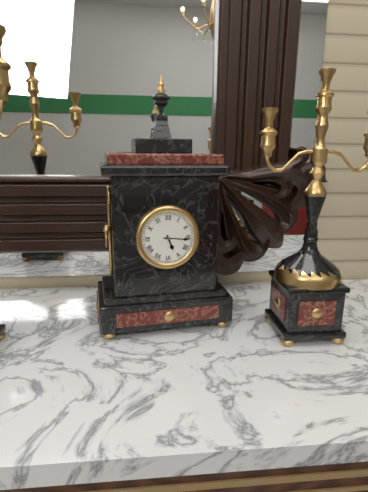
5 h 16 min
